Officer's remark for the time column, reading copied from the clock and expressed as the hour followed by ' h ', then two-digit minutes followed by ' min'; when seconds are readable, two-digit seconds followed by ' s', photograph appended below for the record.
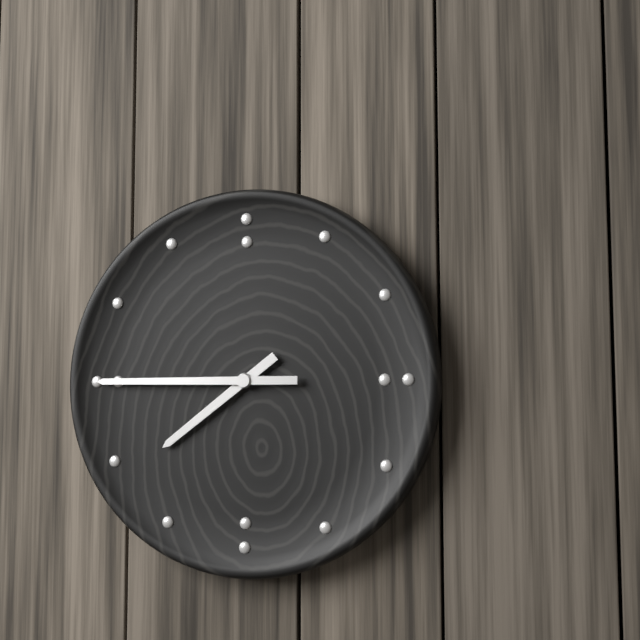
7 h 45 min
